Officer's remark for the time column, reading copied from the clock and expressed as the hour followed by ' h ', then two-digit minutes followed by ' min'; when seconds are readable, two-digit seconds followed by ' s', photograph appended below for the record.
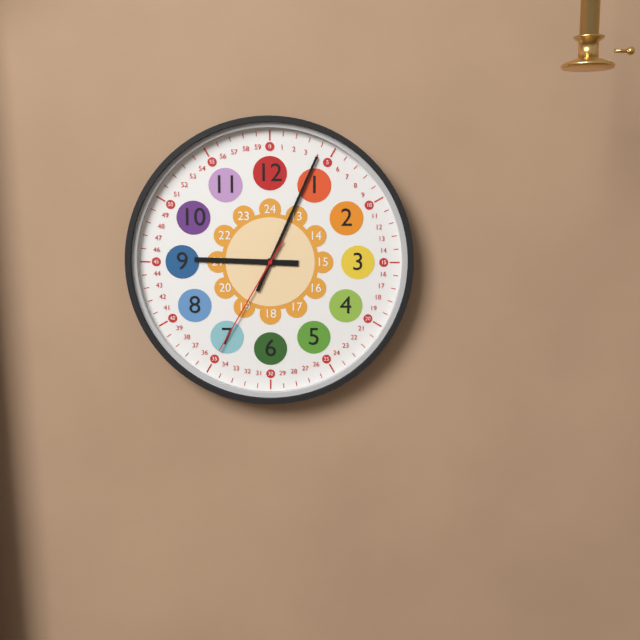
9 h 04 min 35 s
